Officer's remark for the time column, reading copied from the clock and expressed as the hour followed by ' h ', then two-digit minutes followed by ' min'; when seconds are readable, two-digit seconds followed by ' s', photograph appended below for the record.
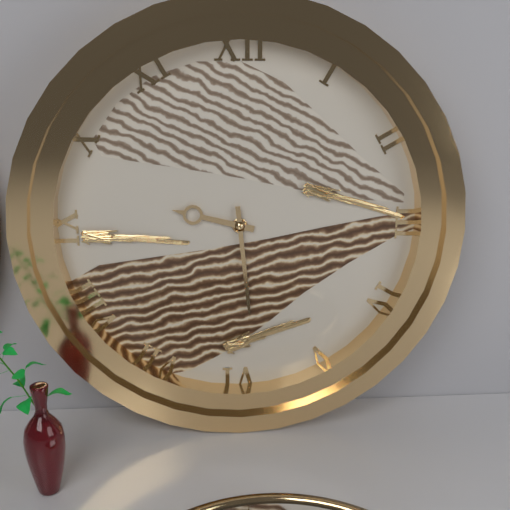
9 h 29 min
